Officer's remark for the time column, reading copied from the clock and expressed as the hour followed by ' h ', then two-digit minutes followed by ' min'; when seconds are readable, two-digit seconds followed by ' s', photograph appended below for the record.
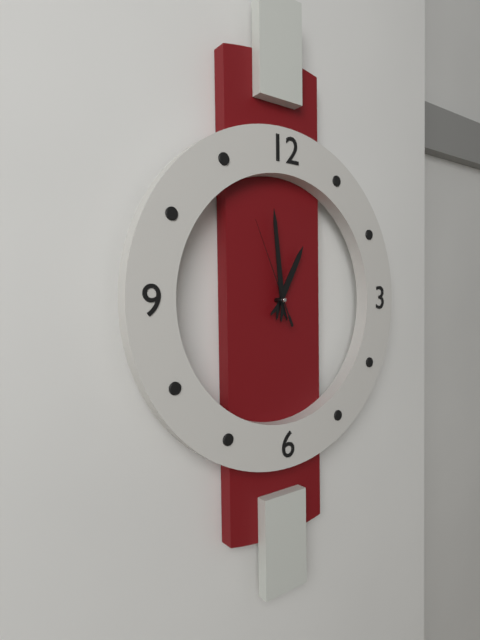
12 h 59 min 56 s
